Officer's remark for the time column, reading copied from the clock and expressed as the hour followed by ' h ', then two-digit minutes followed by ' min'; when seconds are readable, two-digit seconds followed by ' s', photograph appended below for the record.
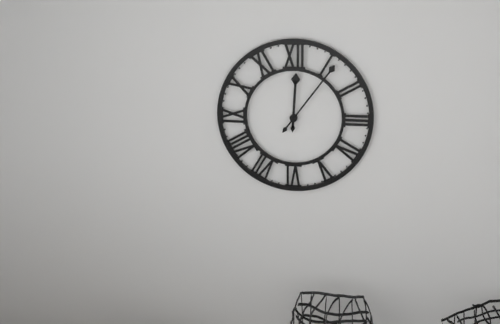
12 h 06 min
